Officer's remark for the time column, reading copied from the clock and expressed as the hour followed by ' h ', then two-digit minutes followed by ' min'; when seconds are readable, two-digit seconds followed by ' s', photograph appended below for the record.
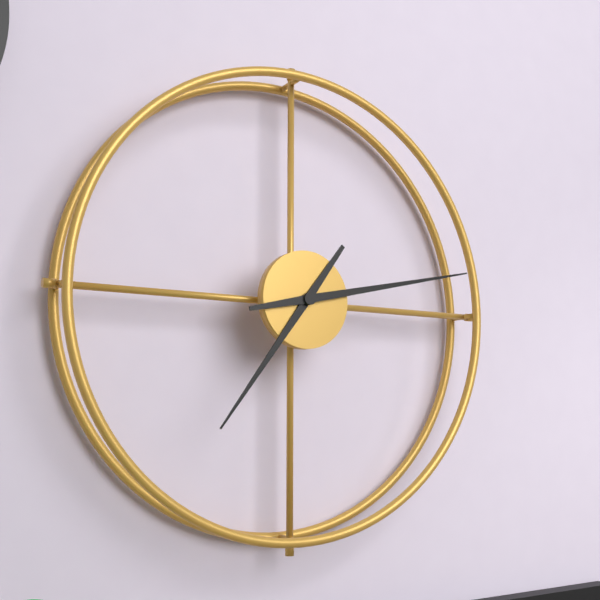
7 h 13 min
